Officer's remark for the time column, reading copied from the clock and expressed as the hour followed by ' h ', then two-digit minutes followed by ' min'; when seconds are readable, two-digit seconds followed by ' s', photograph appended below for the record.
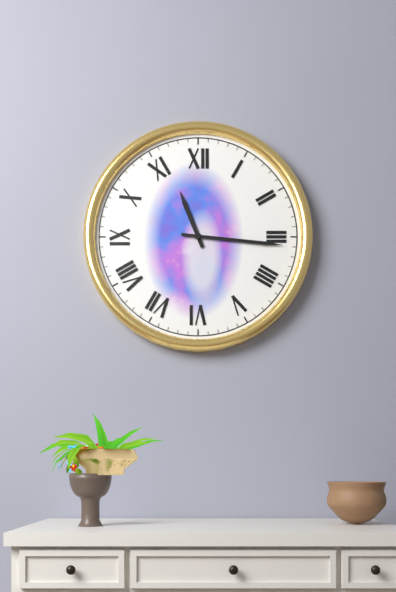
11 h 16 min
